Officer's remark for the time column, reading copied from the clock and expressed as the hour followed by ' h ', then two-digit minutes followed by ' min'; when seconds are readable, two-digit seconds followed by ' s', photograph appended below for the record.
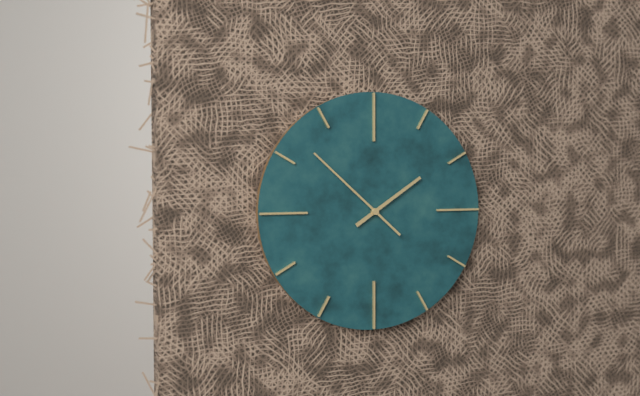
1 h 52 min
